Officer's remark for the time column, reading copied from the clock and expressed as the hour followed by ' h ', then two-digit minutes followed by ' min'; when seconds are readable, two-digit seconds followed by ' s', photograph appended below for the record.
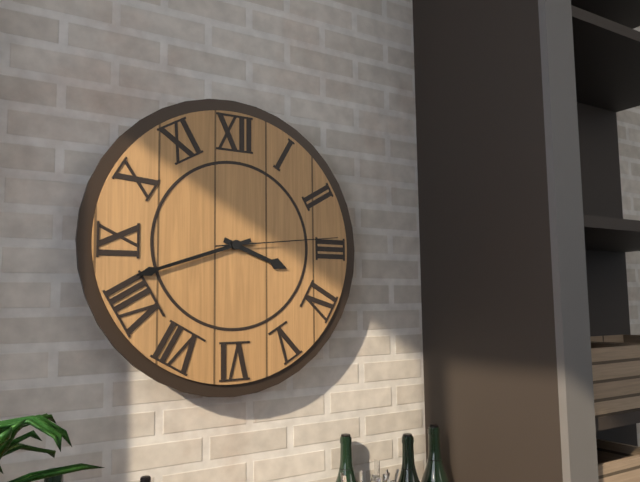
3 h 42 min 14 s
